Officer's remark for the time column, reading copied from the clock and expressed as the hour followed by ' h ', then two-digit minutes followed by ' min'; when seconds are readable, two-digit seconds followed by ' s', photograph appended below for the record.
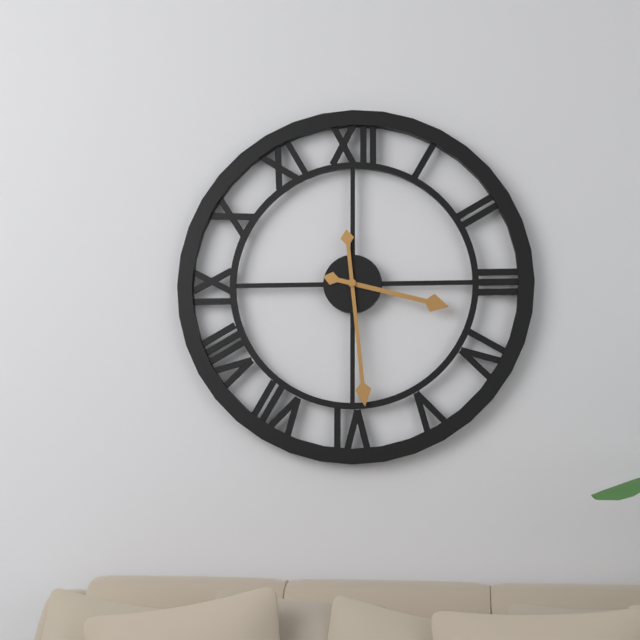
3 h 29 min
